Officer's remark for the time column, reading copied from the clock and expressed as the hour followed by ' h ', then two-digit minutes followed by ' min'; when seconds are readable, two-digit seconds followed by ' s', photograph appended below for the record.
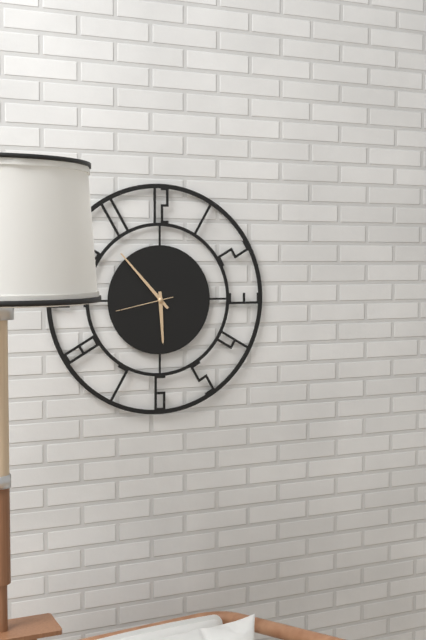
5 h 53 min 43 s
